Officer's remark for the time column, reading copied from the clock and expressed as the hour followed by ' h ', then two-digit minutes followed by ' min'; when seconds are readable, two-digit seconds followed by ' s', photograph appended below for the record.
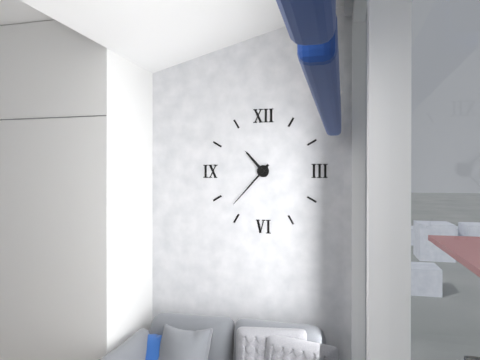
10 h 37 min
